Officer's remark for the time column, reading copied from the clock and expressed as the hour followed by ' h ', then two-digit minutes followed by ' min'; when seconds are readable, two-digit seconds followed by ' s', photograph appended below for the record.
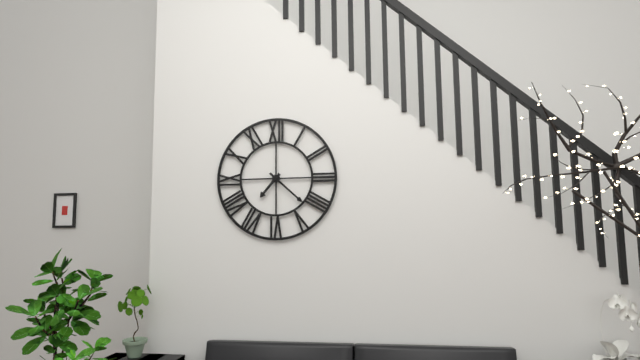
7 h 22 min
